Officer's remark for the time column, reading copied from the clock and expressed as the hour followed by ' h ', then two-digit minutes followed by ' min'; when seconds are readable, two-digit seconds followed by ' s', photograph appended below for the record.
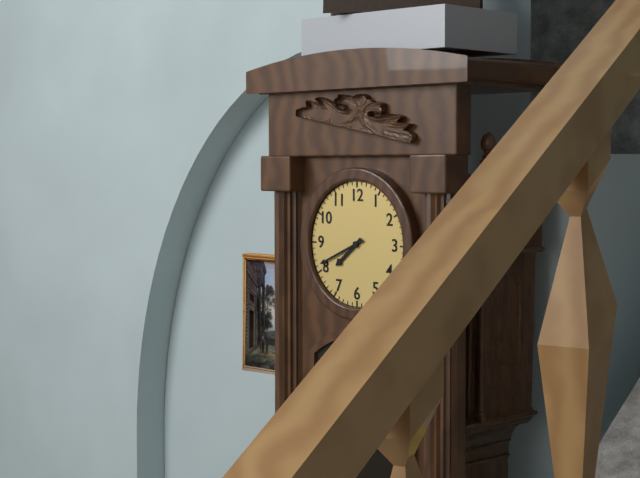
7 h 41 min
